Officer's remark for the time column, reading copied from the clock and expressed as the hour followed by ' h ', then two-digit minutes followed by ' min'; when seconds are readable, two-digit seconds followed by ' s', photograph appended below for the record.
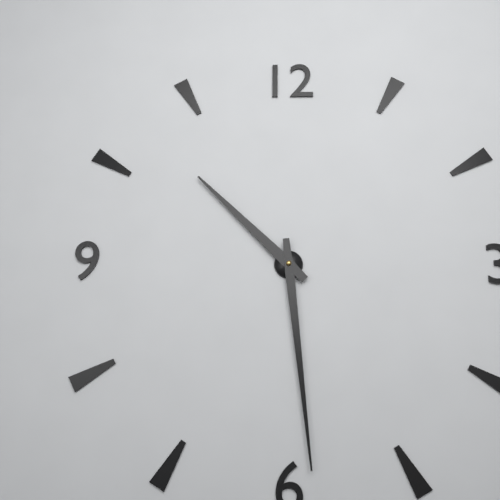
10 h 29 min
